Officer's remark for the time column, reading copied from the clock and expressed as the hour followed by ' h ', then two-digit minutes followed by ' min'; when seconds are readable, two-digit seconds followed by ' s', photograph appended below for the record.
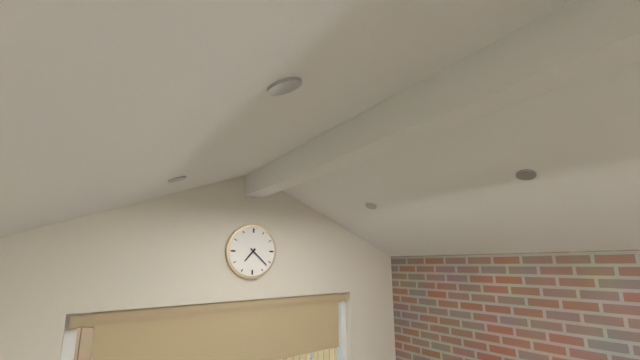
7 h 22 min
